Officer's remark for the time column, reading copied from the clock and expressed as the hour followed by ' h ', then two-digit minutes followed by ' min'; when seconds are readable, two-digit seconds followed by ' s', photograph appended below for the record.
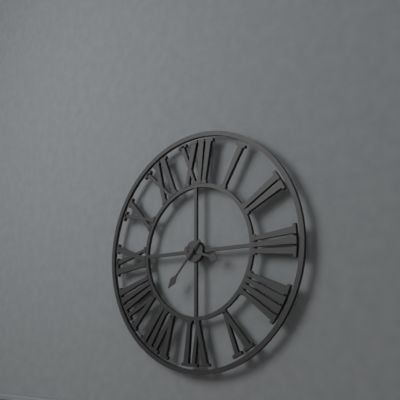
3 h 37 min
